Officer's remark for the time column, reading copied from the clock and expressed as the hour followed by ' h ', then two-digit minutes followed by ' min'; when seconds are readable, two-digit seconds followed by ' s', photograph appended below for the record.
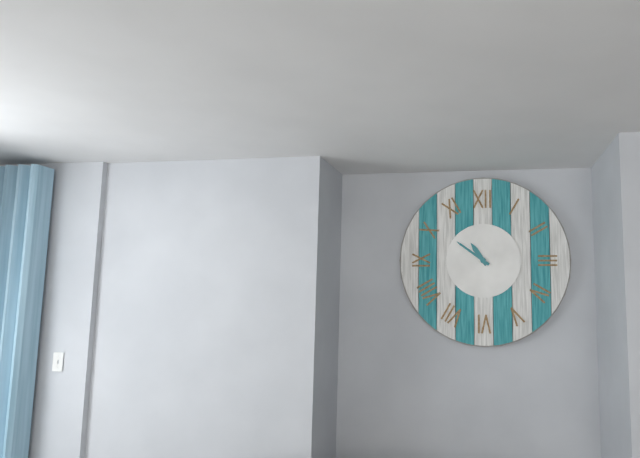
10 h 51 min
